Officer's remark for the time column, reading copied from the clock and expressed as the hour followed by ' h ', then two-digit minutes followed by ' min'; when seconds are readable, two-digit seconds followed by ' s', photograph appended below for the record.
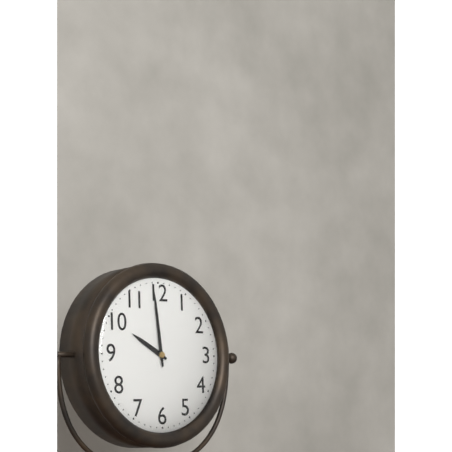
9 h 59 min
